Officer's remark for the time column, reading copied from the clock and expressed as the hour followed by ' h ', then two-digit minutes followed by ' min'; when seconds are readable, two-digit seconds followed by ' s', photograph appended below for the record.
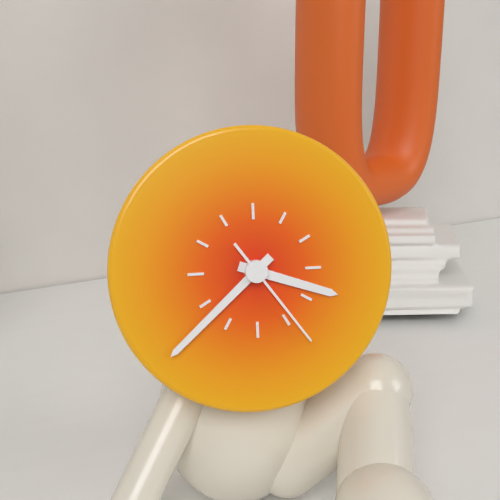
3 h 38 min 24 s
